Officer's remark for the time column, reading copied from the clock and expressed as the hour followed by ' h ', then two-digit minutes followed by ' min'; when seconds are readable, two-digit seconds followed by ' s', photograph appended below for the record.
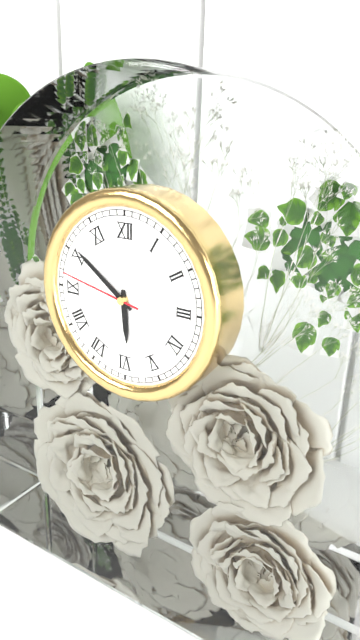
5 h 51 min 47 s
